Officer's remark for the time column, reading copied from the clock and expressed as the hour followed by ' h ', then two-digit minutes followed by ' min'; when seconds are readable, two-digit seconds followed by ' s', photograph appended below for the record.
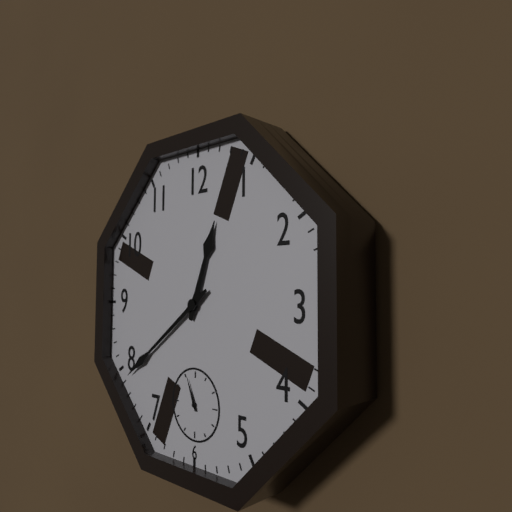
12 h 39 min
